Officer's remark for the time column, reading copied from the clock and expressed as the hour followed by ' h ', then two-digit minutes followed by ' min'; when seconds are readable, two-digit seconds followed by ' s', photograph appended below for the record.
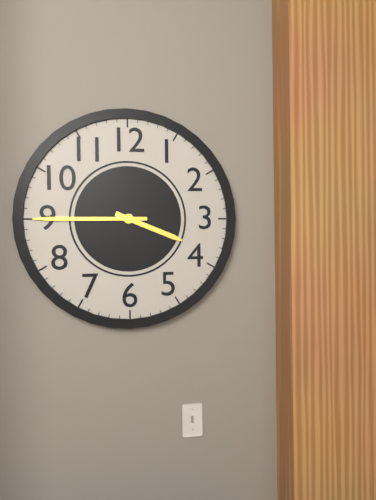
3 h 45 min
